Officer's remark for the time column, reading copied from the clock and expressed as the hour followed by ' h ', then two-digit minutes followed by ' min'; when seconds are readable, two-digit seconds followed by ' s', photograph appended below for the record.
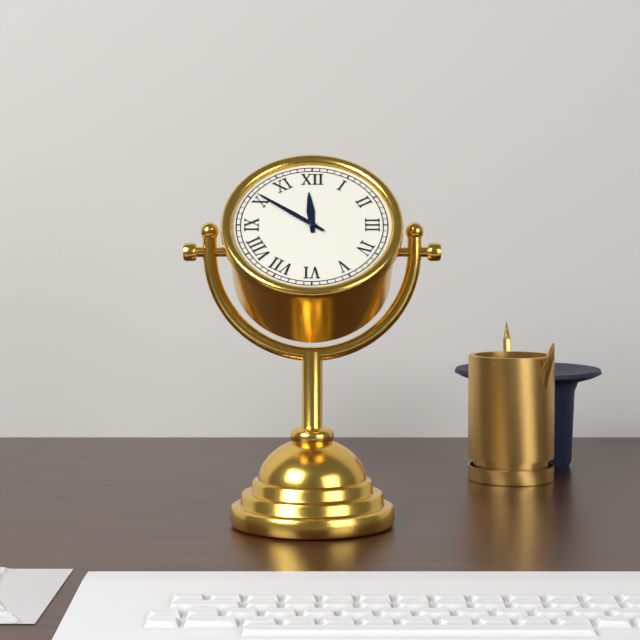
11 h 51 min
